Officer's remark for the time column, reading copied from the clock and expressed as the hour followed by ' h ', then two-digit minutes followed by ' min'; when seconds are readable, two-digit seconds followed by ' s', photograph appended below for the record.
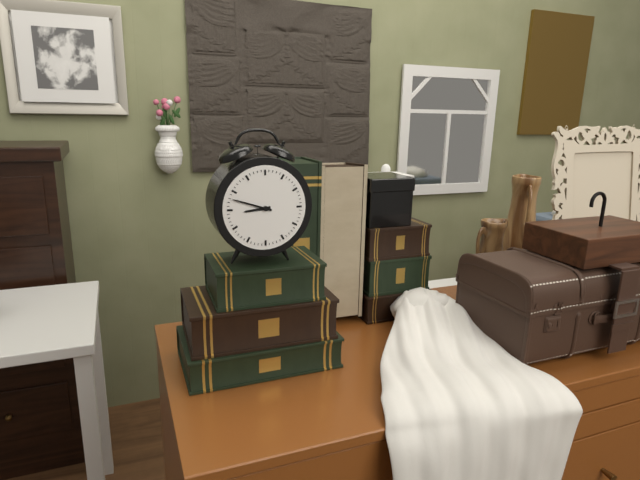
8 h 48 min
